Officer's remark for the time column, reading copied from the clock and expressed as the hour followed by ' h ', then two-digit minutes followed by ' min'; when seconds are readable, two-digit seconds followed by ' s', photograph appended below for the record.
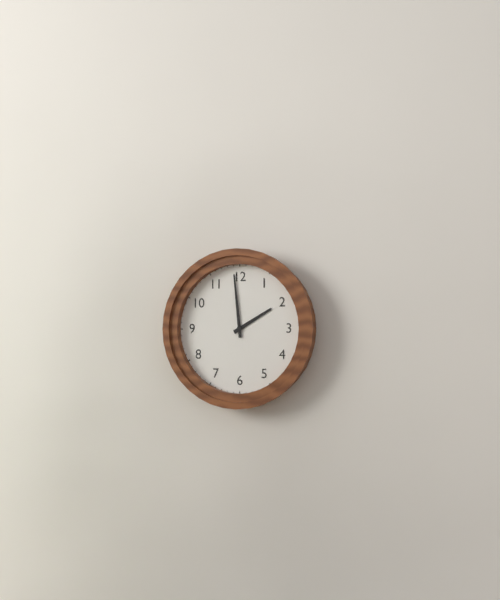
1 h 59 min
